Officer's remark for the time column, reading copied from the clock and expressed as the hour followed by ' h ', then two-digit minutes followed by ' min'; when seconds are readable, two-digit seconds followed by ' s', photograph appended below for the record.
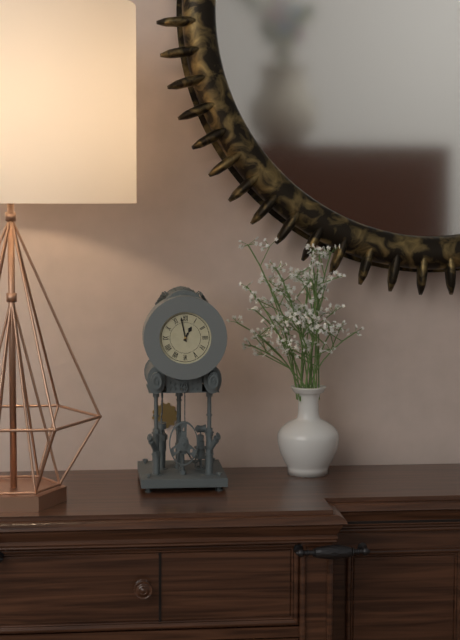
12 h 58 min
